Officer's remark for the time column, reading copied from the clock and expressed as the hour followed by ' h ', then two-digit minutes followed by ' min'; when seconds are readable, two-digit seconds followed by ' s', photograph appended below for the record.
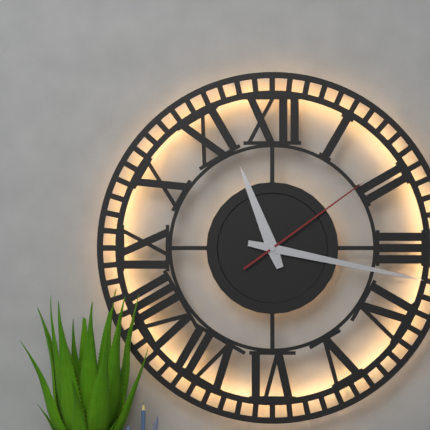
11 h 17 min 09 s
